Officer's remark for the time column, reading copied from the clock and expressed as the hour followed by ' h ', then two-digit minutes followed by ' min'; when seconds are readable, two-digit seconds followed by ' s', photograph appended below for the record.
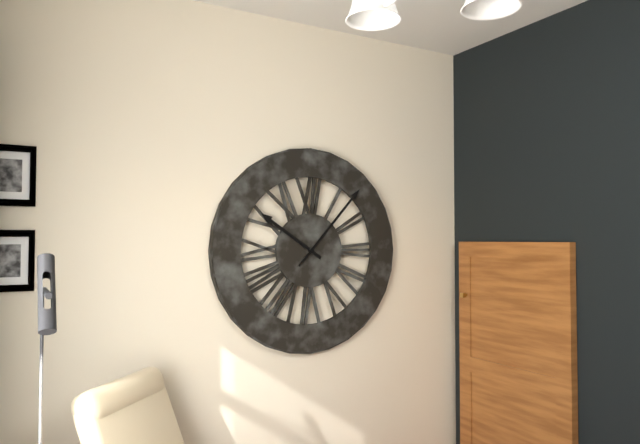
10 h 07 min
